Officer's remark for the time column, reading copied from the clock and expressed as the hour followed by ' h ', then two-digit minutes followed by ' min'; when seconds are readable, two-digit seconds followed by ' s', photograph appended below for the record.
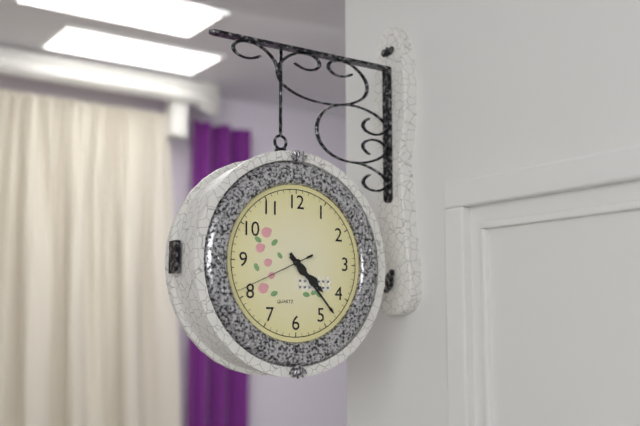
4 h 23 min 41 s
